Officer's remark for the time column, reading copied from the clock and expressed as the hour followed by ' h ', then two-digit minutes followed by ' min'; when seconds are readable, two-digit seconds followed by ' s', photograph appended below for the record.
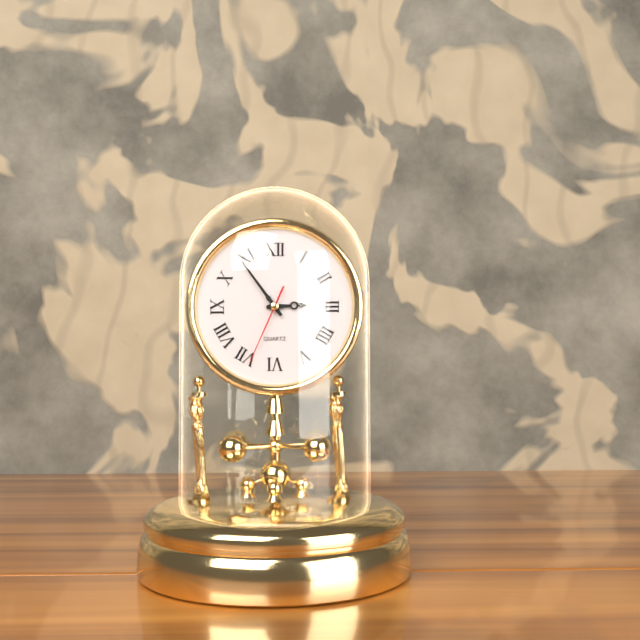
2 h 54 min 34 s
